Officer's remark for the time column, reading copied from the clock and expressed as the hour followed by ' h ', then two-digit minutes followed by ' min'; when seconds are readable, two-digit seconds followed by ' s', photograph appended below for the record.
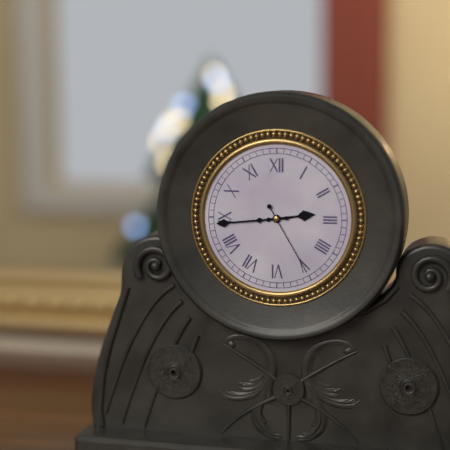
2 h 44 min 25 s
